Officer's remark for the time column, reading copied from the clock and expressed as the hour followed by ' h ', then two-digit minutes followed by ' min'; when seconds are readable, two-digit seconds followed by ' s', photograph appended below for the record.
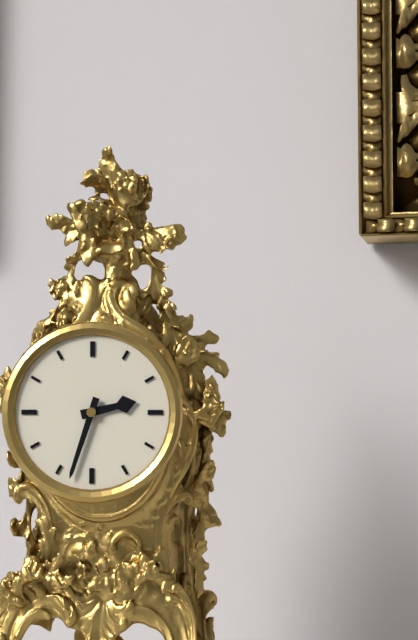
2 h 33 min
